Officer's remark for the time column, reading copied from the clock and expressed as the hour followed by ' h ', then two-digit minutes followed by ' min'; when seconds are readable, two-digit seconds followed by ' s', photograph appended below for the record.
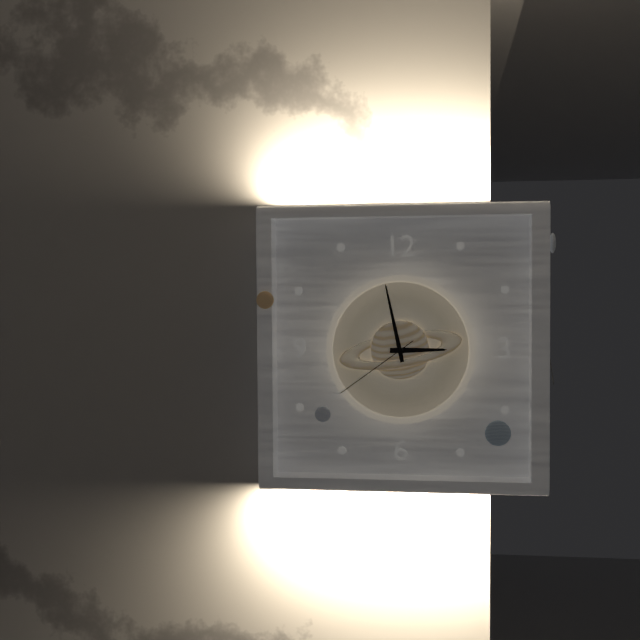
2 h 58 min 39 s
